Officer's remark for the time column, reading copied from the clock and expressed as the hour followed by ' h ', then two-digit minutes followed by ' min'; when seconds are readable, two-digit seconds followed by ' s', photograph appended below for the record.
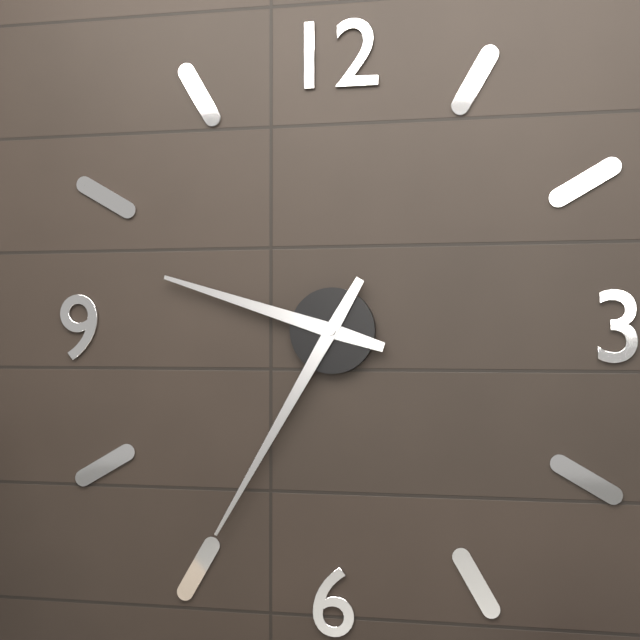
9 h 35 min
